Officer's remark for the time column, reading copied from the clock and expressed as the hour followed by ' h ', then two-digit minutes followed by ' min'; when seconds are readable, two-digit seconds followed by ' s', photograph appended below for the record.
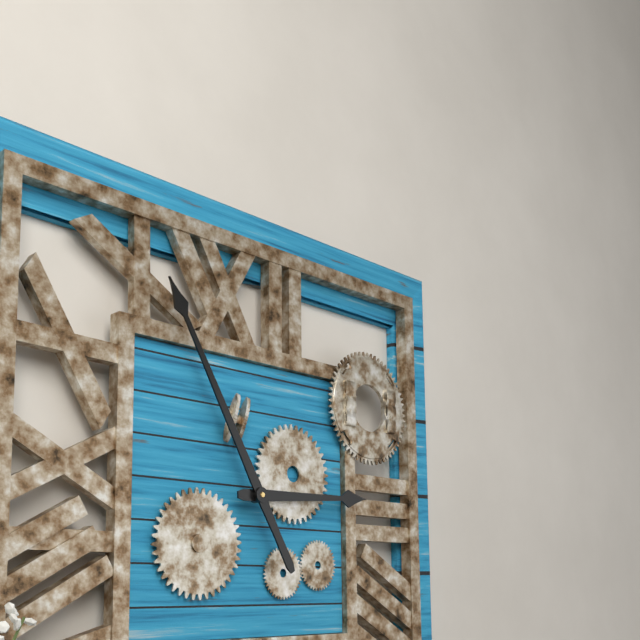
2 h 55 min
